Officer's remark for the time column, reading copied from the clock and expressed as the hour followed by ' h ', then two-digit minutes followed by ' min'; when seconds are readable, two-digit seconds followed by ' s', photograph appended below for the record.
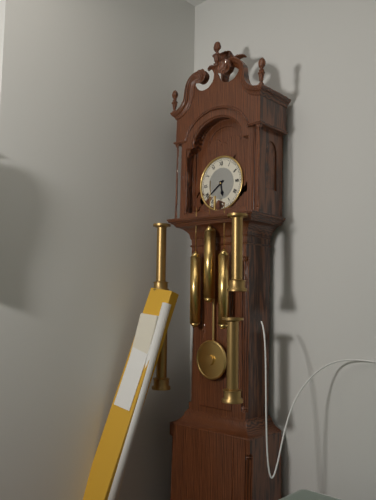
5 h 39 min
